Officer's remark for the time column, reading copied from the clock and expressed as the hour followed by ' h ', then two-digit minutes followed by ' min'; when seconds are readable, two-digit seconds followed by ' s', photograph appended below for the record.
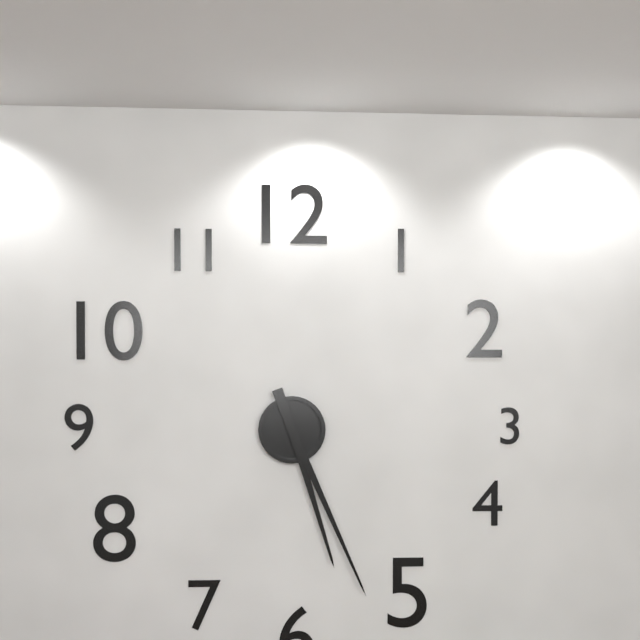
5 h 26 min
